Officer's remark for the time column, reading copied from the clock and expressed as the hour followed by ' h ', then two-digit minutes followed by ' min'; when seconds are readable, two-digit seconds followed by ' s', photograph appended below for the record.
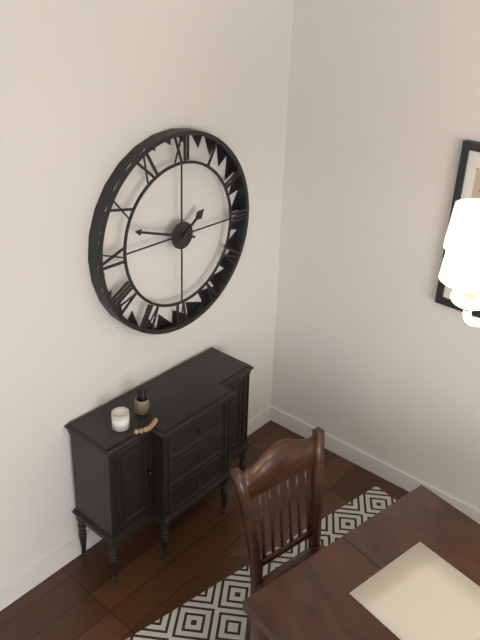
1 h 48 min
